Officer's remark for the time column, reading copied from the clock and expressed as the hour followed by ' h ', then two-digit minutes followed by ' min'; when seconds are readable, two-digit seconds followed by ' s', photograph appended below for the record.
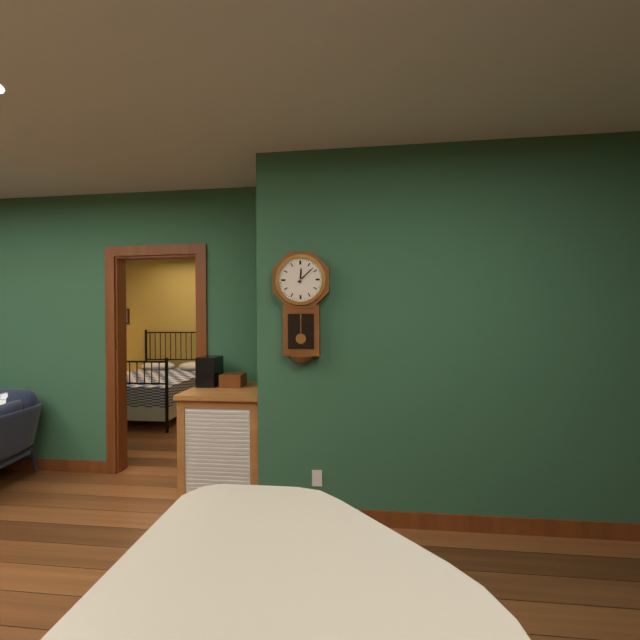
12 h 08 min
